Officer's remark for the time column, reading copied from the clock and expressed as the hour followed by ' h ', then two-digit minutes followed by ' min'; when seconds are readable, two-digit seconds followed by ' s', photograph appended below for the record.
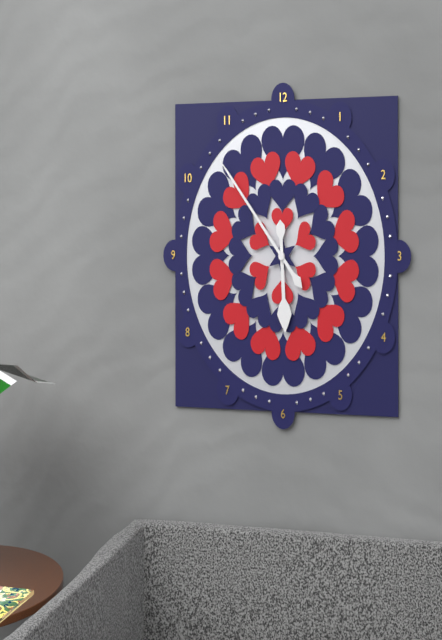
5 h 53 min
